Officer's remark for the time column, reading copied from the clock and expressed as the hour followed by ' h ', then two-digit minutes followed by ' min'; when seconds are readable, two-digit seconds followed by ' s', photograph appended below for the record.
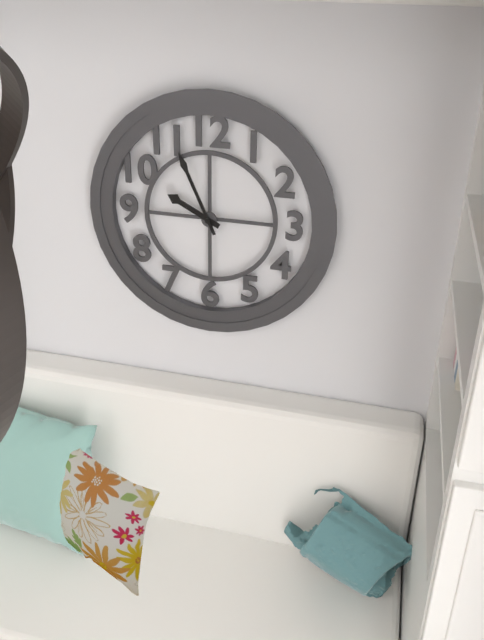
9 h 56 min
